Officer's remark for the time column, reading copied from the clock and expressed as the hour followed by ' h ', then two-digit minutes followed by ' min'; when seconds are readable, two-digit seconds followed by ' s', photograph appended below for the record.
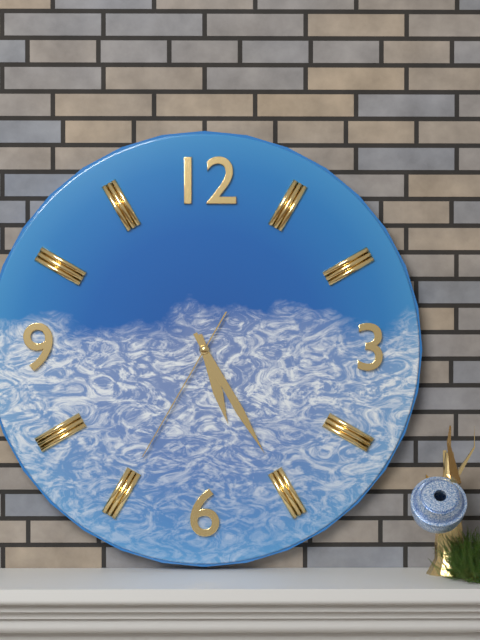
5 h 25 min 35 s
